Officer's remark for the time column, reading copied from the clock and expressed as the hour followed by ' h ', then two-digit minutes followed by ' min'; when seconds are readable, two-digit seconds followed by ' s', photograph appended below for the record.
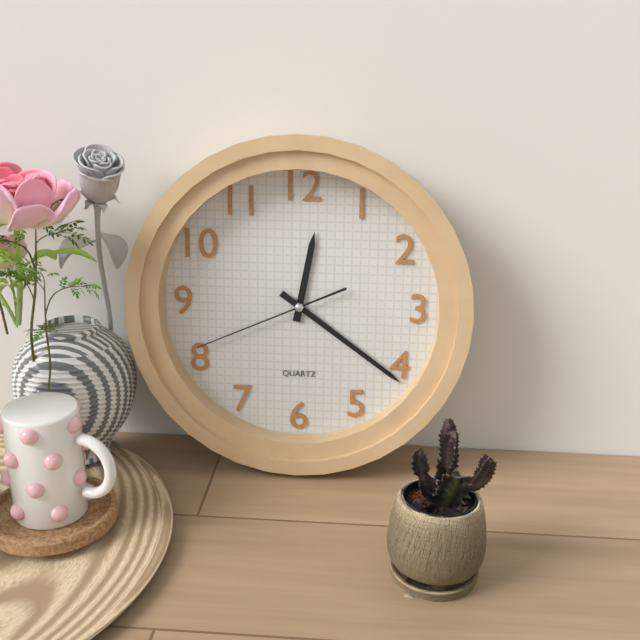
12 h 21 min 41 s
